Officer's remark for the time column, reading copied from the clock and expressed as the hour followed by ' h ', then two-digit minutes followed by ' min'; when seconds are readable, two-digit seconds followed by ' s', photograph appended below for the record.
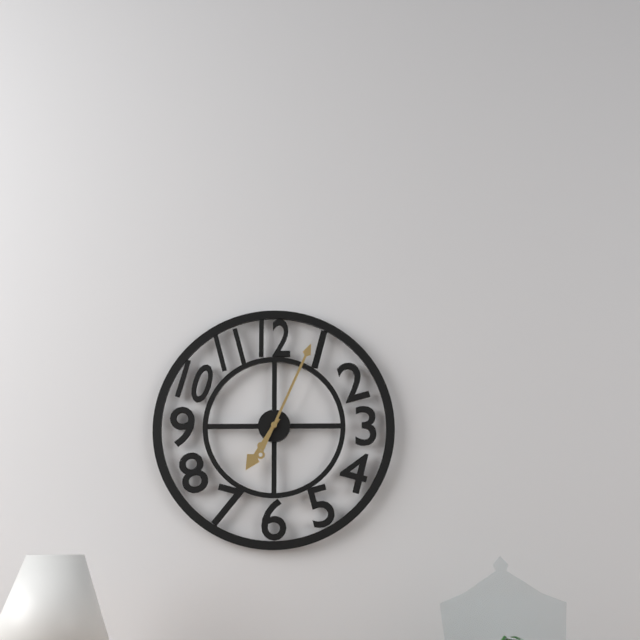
7 h 04 min
